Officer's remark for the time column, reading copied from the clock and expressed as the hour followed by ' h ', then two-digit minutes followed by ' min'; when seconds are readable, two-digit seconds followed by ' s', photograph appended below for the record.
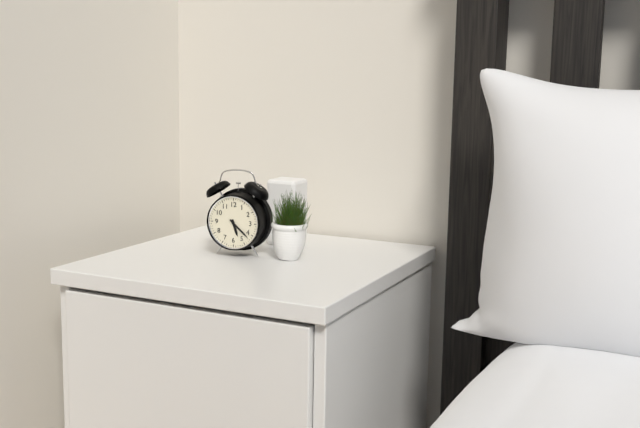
5 h 22 min
